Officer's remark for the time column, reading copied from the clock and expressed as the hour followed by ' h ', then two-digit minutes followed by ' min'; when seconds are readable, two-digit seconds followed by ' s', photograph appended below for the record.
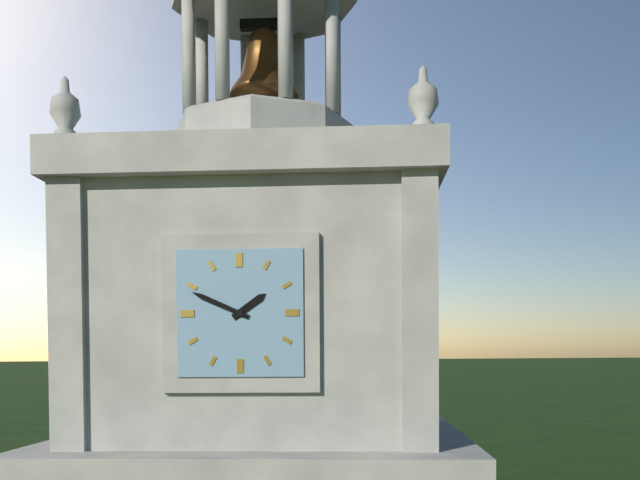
1 h 49 min
